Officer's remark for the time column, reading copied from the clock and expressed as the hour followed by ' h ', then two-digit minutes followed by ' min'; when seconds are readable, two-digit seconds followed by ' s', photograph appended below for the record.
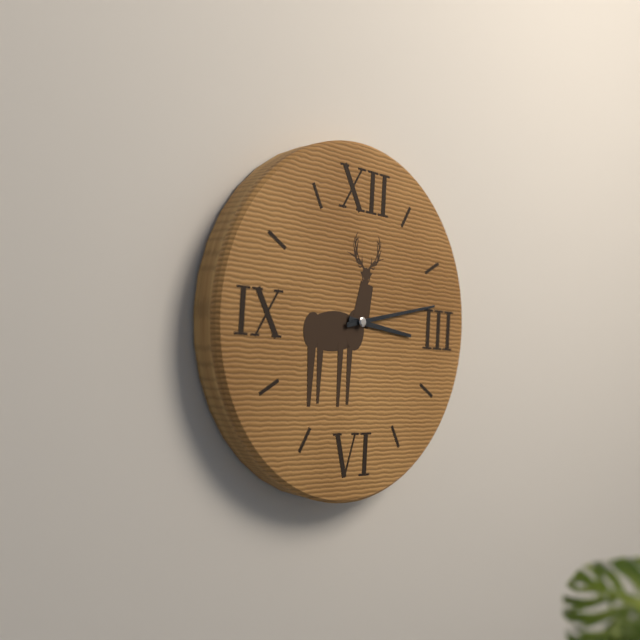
3 h 13 min
